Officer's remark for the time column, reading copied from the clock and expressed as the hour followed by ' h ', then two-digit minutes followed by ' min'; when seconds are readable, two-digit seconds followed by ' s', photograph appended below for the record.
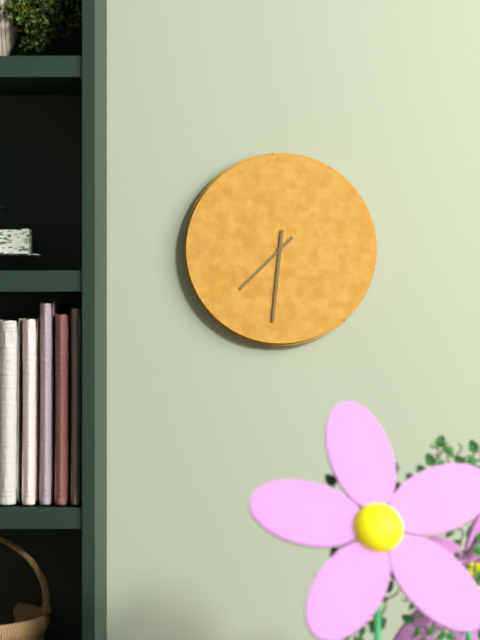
7 h 31 min
